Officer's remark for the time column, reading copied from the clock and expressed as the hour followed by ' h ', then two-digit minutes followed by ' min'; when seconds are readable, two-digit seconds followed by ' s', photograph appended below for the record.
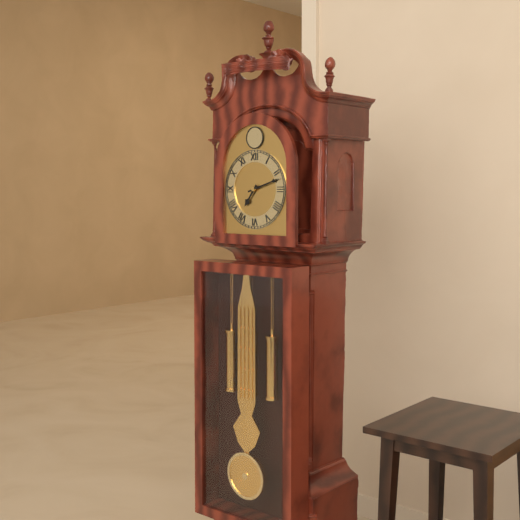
7 h 12 min
